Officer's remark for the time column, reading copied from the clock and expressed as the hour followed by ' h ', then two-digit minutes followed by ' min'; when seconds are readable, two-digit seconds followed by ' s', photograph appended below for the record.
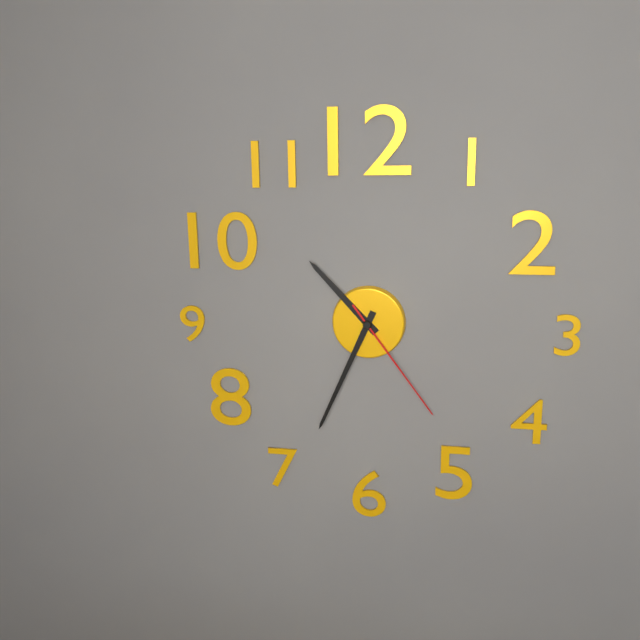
10 h 34 min 24 s
